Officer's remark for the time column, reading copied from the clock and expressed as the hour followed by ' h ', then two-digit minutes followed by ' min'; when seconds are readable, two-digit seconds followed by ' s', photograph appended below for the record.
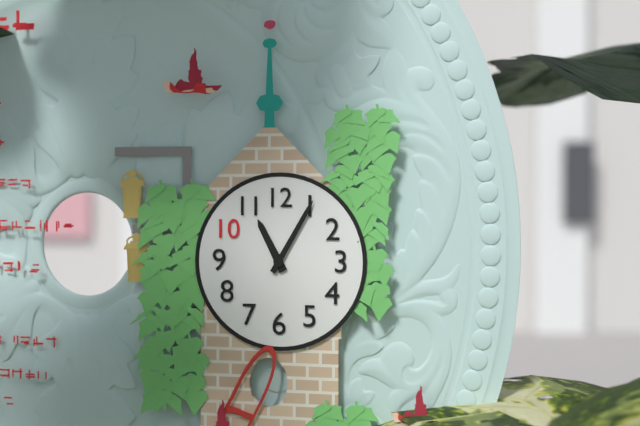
11 h 05 min
